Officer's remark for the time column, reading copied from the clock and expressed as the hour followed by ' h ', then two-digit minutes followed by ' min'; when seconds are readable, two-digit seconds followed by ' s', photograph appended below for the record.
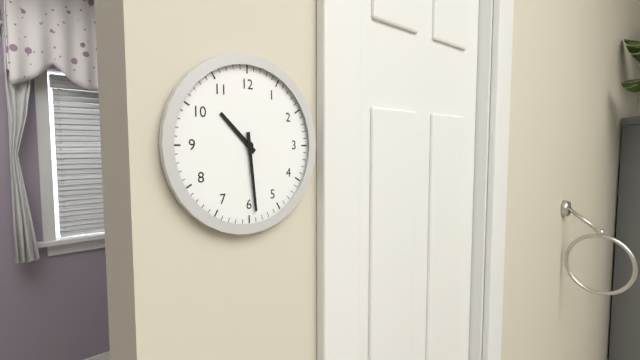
10 h 29 min
